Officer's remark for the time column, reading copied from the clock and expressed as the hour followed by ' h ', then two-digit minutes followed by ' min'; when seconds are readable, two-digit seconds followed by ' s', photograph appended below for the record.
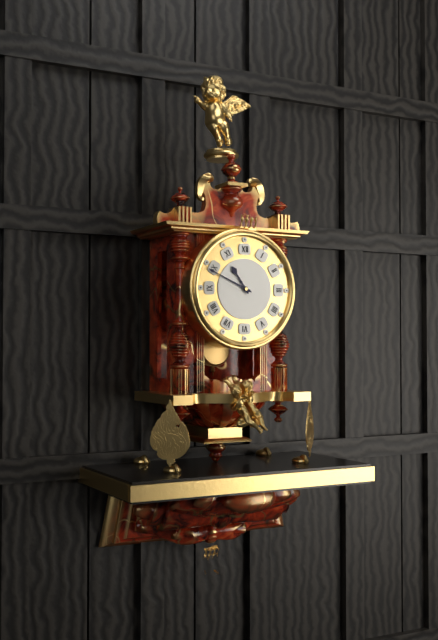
10 h 49 min
